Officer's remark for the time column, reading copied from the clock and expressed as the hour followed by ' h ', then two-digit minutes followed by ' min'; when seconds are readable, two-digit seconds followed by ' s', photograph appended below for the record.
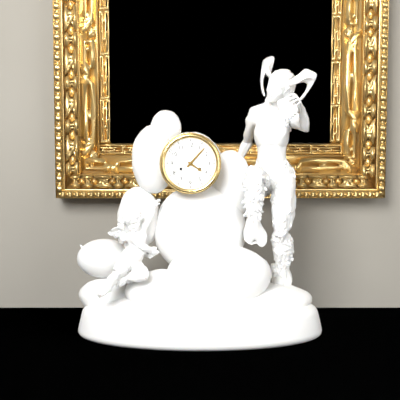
4 h 07 min
